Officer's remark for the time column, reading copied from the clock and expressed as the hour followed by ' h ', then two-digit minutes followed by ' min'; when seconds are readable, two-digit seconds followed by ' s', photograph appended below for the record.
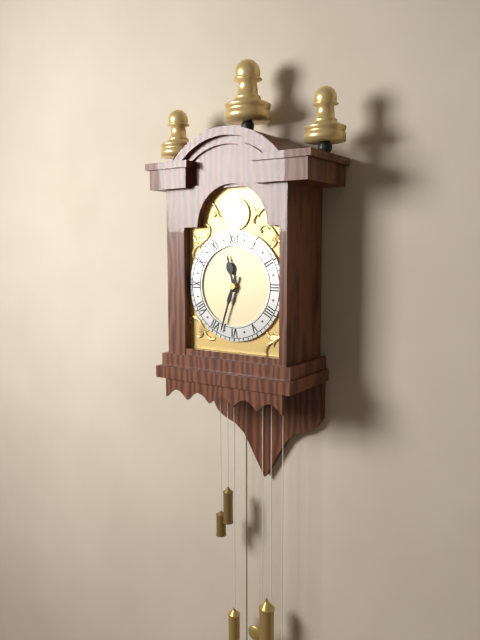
11 h 33 min
